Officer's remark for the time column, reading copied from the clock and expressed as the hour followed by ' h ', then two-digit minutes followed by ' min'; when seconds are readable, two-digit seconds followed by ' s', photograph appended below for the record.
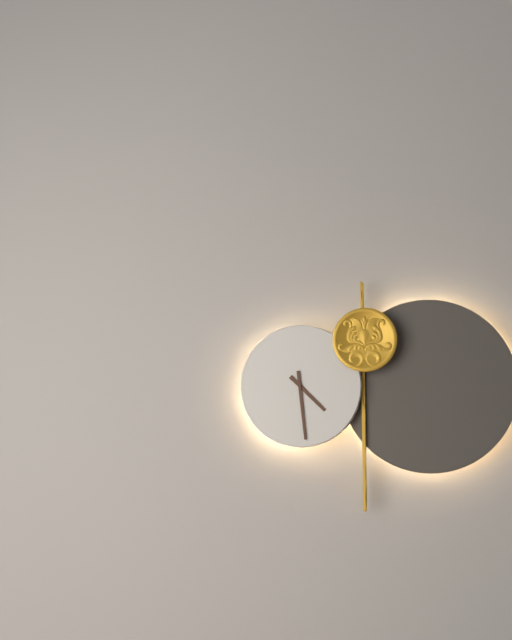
4 h 29 min
